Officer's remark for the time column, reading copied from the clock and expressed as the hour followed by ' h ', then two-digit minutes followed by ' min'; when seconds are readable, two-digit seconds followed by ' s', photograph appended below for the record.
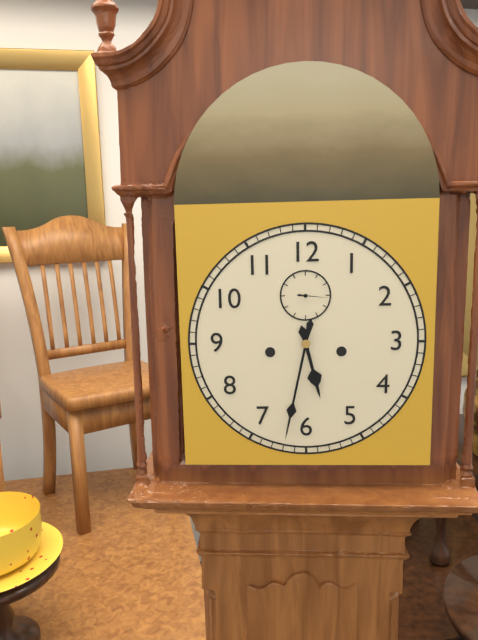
5 h 32 min
